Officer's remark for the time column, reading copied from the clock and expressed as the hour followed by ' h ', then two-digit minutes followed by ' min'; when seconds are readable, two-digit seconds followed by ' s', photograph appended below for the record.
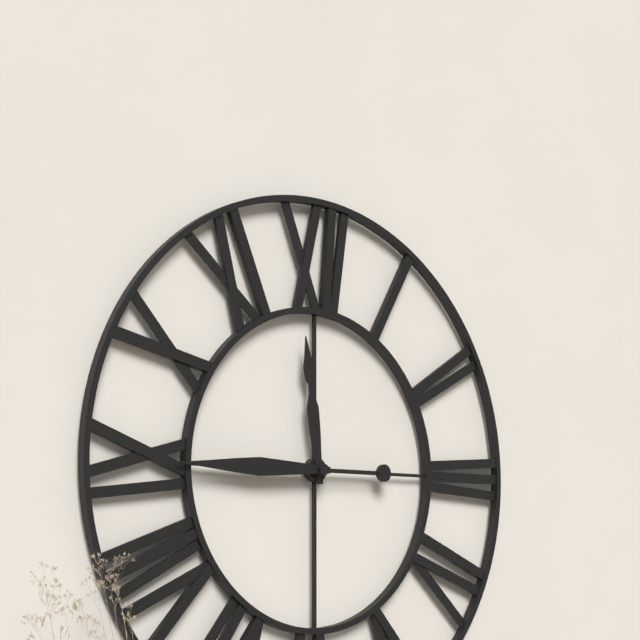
11 h 45 min
